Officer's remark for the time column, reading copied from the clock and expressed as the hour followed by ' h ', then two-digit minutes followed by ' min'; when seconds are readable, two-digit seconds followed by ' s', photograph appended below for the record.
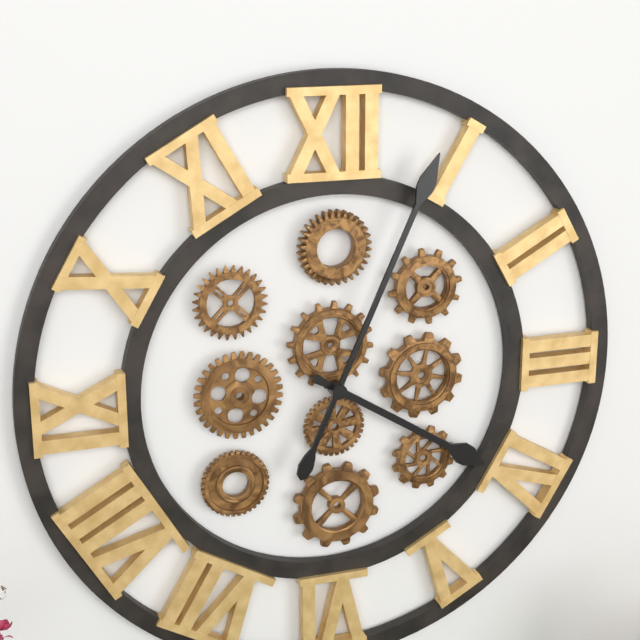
4 h 04 min
